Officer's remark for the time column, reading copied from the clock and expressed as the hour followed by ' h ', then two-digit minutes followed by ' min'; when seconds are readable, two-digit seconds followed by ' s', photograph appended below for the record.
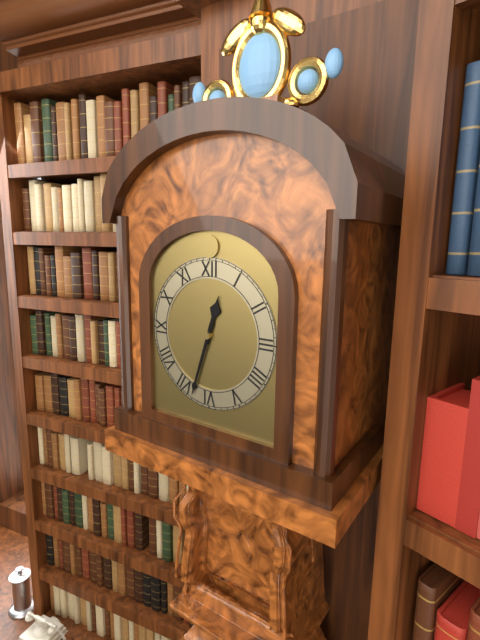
12 h 33 min
